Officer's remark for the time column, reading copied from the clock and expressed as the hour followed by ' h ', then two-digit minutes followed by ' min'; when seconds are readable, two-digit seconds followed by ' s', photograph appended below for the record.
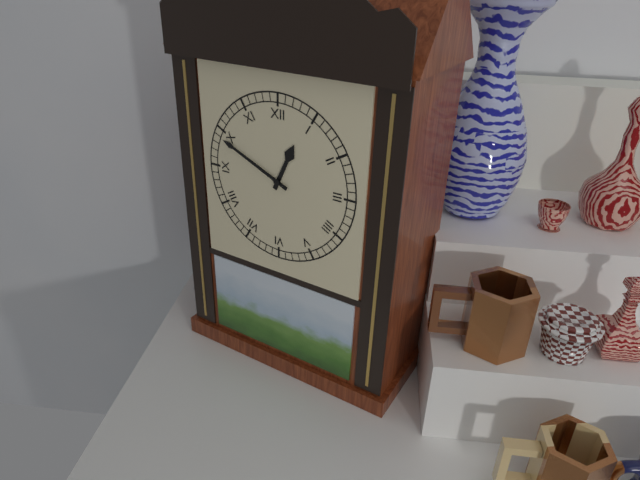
12 h 49 min
